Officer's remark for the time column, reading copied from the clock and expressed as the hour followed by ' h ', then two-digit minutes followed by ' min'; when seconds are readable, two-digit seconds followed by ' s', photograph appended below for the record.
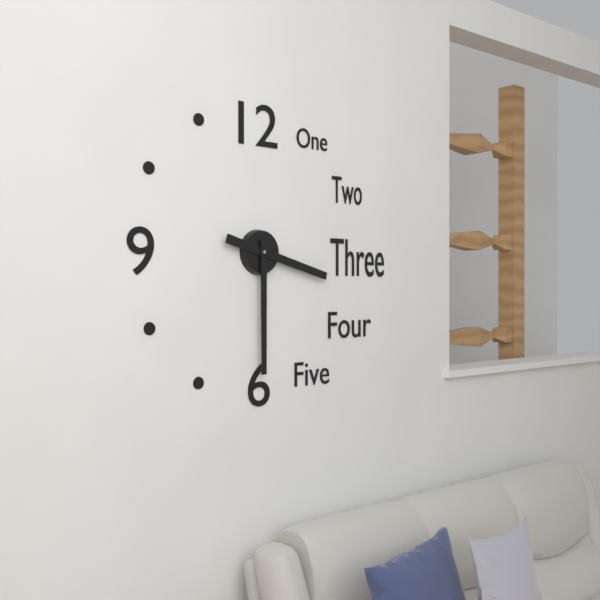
3 h 30 min
